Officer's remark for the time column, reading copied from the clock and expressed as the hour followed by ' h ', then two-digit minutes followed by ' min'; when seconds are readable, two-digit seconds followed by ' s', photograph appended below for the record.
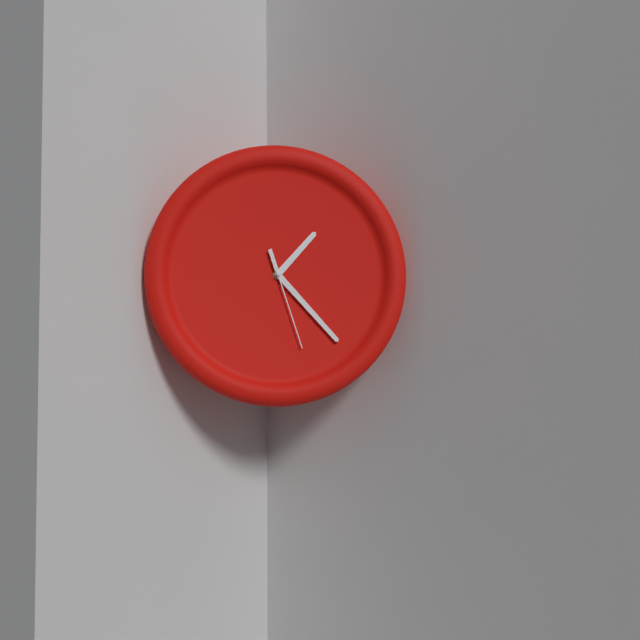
1 h 23 min 27 s
